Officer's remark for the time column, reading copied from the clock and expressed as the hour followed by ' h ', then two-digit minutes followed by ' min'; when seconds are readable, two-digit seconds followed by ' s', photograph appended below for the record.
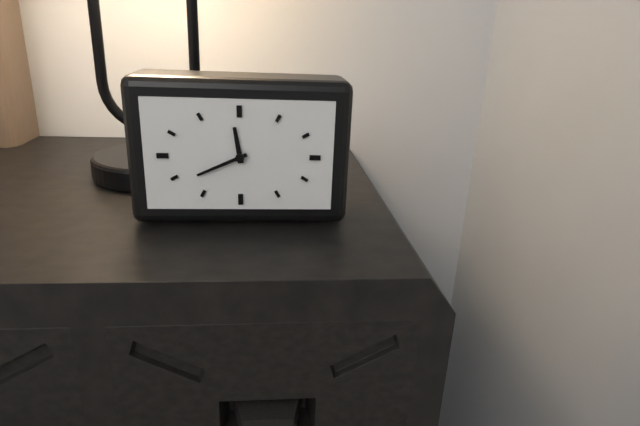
11 h 41 min
